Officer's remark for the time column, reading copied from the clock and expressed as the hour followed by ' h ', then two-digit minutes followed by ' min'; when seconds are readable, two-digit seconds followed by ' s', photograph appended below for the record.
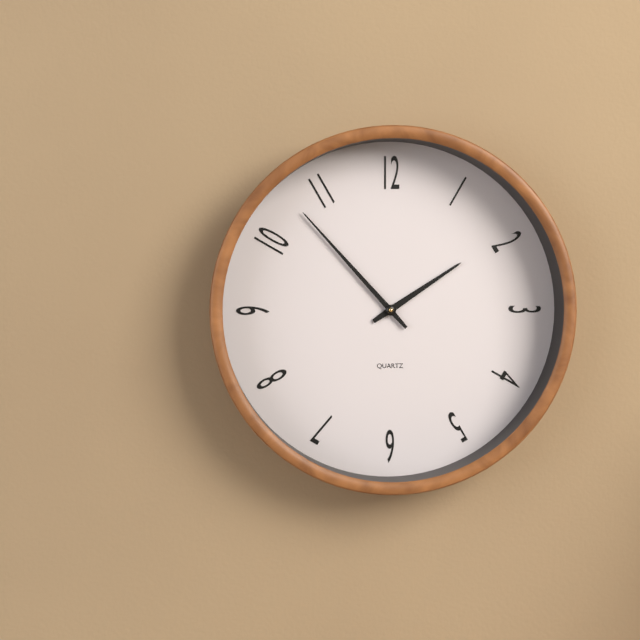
1 h 53 min
